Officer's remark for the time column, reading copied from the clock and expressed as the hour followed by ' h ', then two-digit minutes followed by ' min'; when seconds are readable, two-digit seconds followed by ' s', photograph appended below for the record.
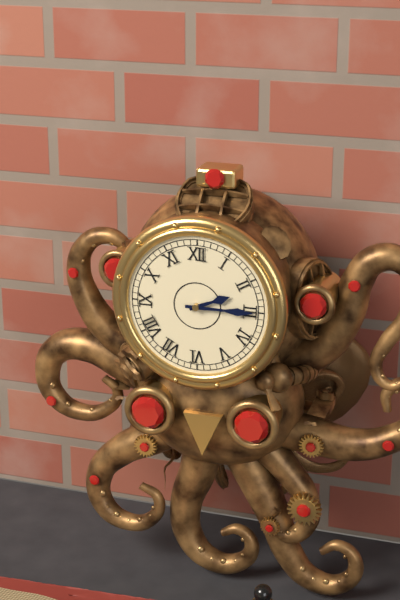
2 h 15 min
